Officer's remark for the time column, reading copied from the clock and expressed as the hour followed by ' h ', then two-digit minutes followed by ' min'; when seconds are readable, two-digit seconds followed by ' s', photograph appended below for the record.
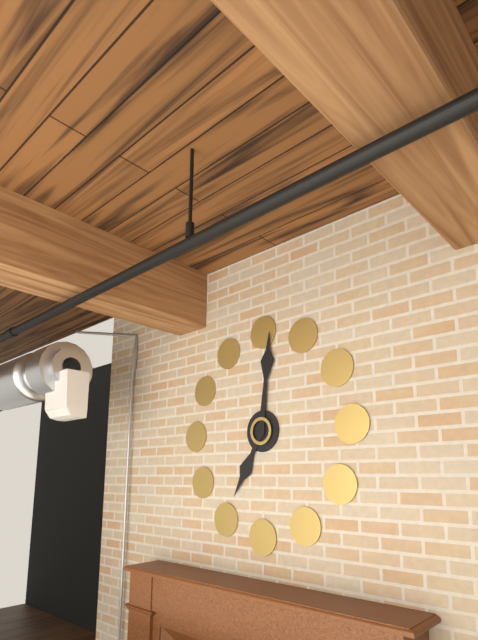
7 h 01 min
